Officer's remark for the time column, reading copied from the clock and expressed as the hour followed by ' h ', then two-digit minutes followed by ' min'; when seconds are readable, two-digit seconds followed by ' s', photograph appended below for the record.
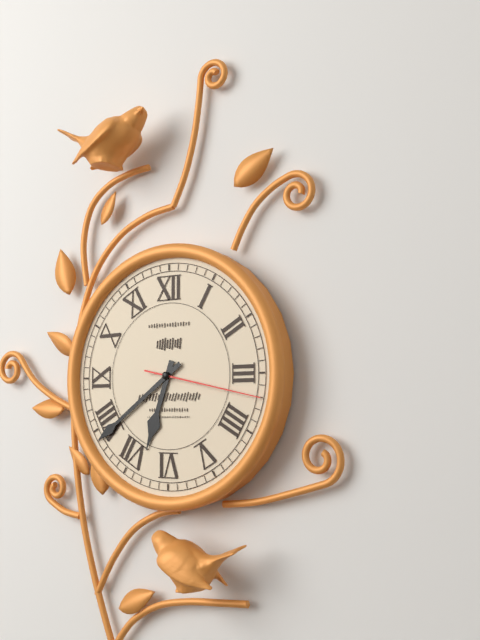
6 h 39 min 17 s
